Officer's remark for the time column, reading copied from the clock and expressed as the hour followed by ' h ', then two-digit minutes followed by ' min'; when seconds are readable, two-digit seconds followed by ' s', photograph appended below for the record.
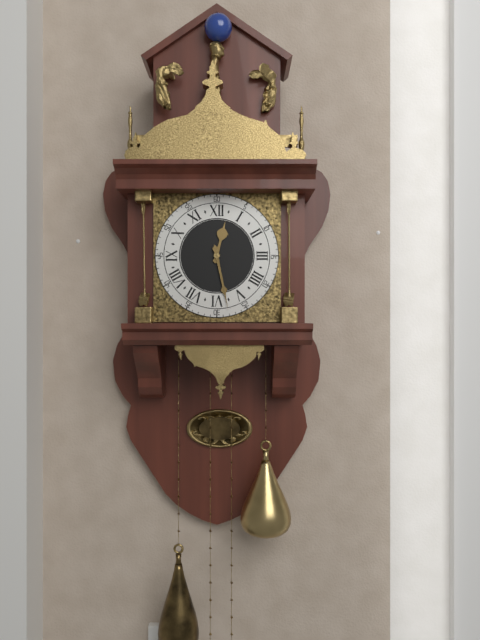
12 h 28 min
